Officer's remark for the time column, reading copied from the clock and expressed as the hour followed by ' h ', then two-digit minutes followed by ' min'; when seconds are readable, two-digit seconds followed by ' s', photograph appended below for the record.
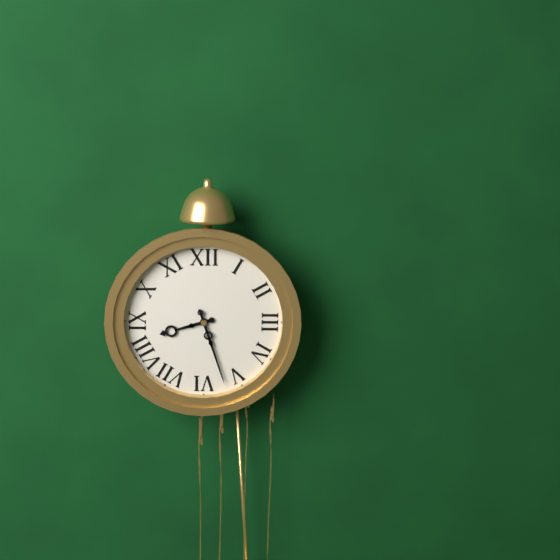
8 h 27 min
